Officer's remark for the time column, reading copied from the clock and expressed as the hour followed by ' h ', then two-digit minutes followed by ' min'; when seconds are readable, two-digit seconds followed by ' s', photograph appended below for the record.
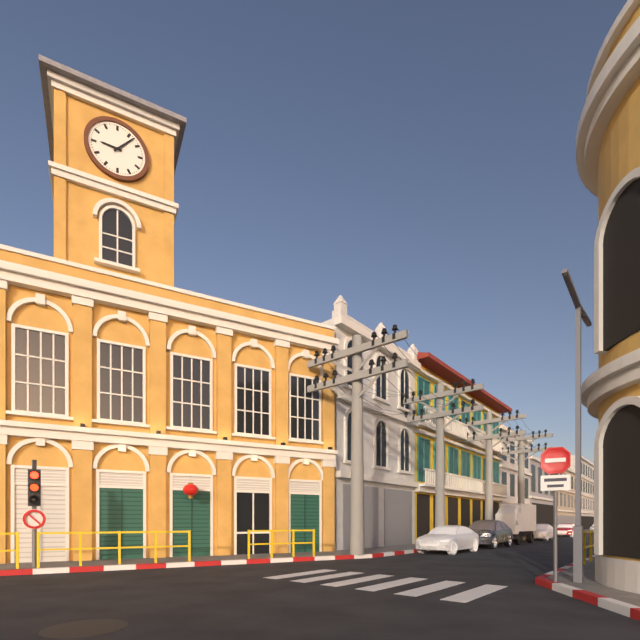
9 h 07 min
